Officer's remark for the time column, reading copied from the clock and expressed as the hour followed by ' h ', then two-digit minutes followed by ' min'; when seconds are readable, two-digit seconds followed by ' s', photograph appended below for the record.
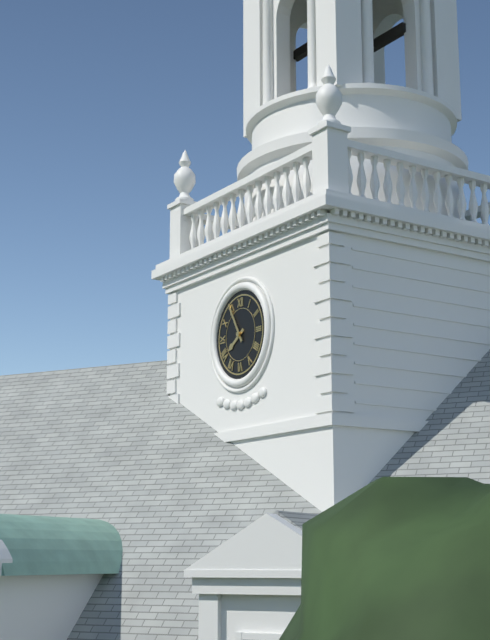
7 h 55 min
